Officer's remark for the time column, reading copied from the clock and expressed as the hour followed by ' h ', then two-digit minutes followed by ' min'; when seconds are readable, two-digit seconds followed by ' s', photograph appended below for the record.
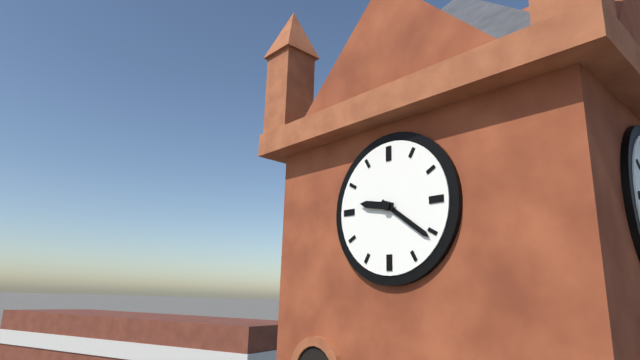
9 h 21 min
